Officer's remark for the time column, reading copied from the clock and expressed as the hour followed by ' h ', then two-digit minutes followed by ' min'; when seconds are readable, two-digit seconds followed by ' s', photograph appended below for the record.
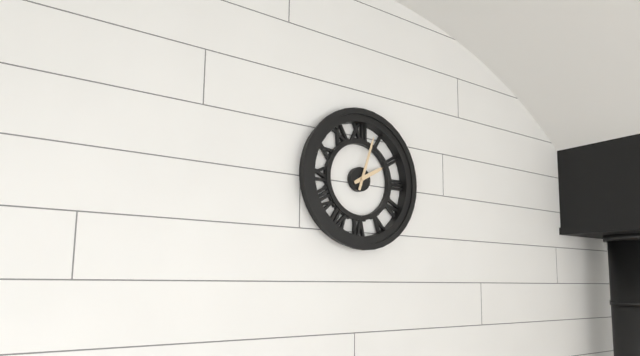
2 h 03 min
